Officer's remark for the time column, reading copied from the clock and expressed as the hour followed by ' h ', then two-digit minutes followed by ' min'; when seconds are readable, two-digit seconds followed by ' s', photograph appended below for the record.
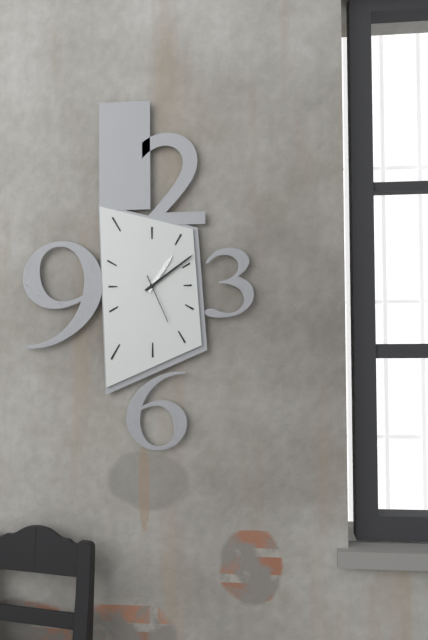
1 h 09 min 26 s
